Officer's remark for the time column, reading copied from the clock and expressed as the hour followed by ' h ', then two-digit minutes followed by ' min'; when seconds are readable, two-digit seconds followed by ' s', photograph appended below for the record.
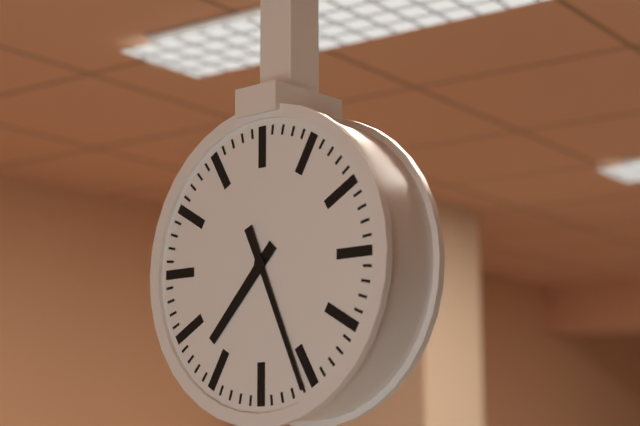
7 h 26 min
